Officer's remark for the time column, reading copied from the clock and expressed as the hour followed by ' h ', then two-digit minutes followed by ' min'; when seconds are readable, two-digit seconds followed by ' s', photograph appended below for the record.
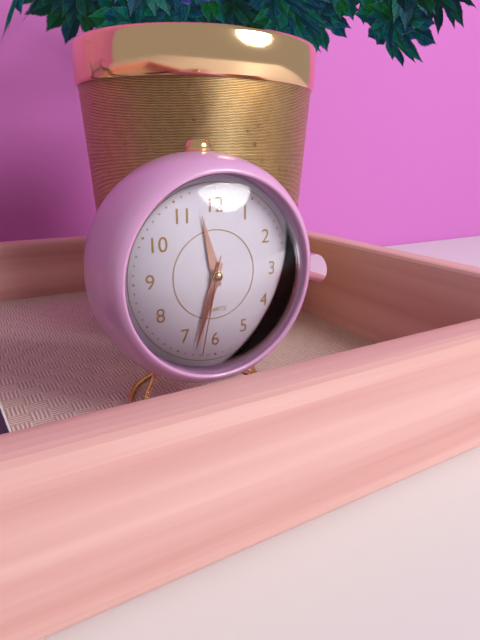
11 h 33 min 32 s
